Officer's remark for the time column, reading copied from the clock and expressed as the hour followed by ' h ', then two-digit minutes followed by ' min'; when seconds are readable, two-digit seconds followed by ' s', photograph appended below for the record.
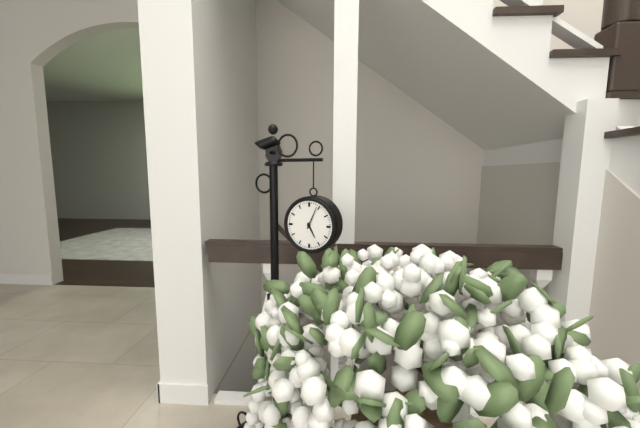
5 h 04 min
